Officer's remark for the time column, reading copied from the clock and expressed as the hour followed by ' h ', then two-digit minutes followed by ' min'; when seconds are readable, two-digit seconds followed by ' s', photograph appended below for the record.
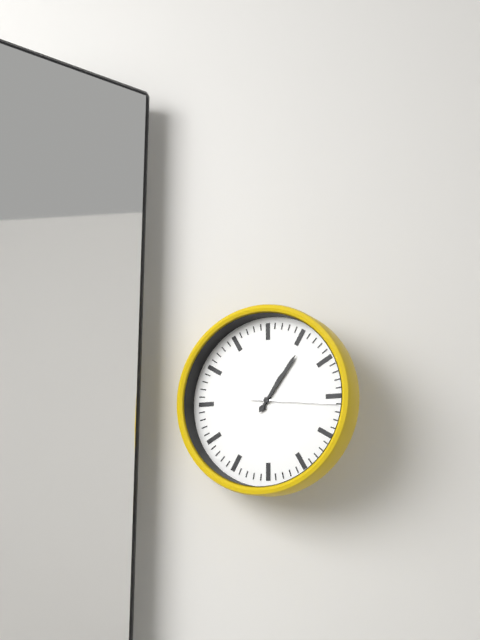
1 h 06 min 16 s
